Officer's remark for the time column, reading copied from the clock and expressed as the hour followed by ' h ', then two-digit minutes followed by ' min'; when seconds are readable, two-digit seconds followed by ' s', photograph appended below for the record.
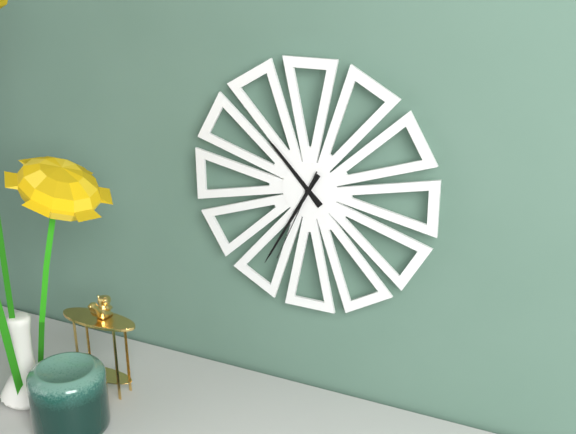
10 h 35 min 34 s
